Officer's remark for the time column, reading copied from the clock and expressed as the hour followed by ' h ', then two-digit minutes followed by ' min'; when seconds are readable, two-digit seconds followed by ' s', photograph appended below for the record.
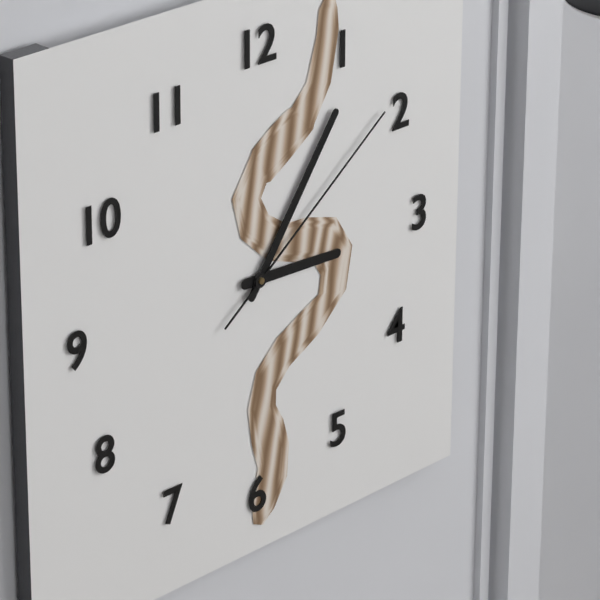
3 h 06 min 09 s
